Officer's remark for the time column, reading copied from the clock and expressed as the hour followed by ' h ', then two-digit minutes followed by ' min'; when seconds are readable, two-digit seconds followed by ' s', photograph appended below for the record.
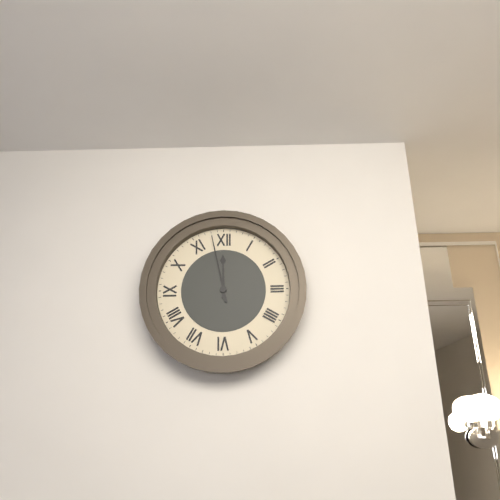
11 h 58 min
